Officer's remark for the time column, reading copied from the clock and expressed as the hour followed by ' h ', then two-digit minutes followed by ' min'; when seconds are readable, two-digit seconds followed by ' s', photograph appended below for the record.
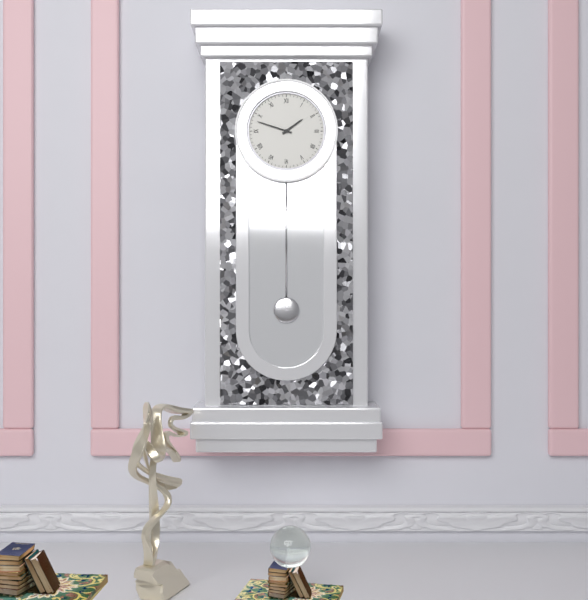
1 h 48 min
